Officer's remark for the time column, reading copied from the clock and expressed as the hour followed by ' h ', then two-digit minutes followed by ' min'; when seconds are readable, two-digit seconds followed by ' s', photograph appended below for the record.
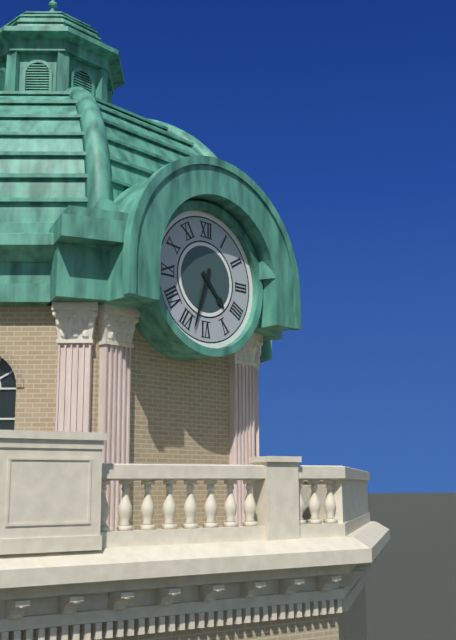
4 h 33 min
